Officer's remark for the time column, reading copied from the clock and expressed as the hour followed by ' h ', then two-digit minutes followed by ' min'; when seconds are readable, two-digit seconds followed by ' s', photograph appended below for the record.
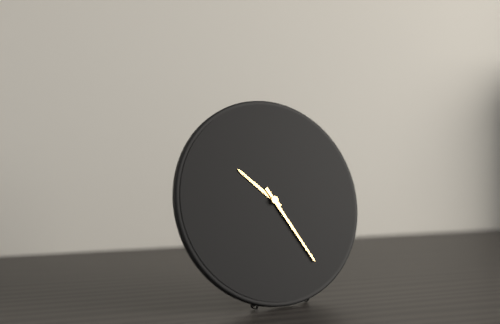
10 h 25 min
